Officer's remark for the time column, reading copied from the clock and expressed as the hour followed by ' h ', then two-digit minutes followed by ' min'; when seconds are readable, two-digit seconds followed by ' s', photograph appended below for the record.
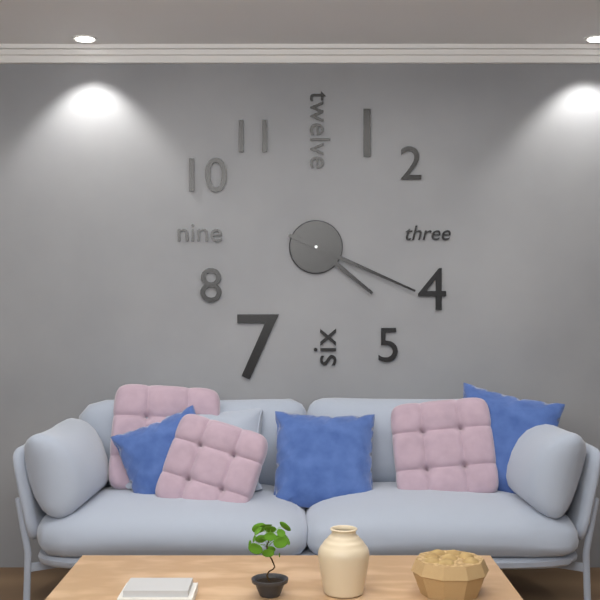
4 h 19 min
